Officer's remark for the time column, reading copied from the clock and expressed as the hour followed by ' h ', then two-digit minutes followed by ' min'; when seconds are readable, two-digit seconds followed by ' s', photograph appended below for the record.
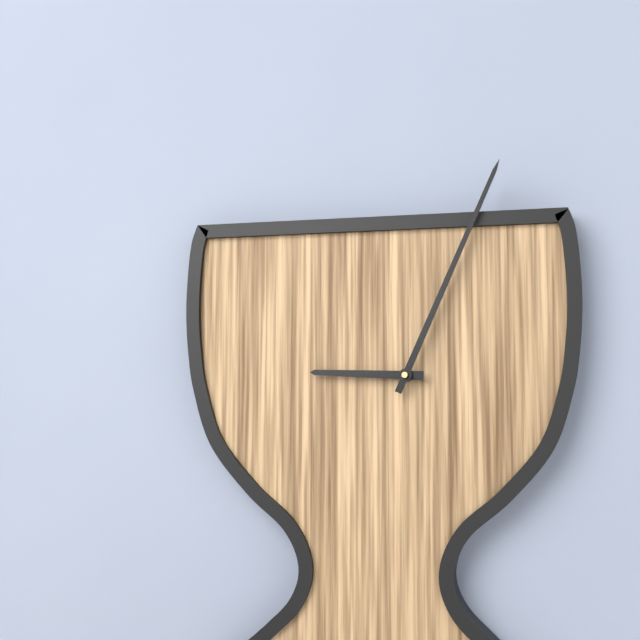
9 h 04 min
